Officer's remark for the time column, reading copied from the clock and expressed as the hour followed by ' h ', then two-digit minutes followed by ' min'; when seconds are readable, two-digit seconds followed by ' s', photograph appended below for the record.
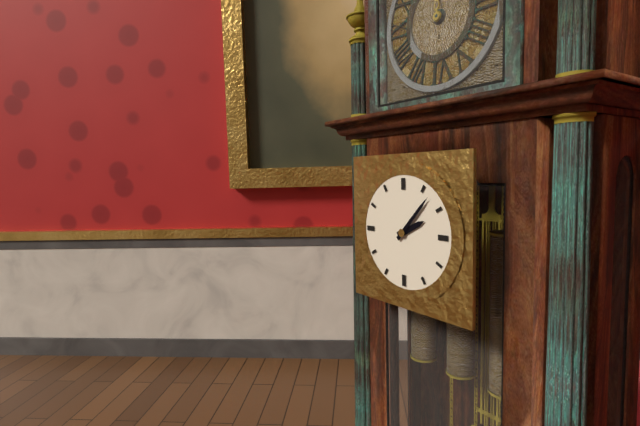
2 h 07 min
